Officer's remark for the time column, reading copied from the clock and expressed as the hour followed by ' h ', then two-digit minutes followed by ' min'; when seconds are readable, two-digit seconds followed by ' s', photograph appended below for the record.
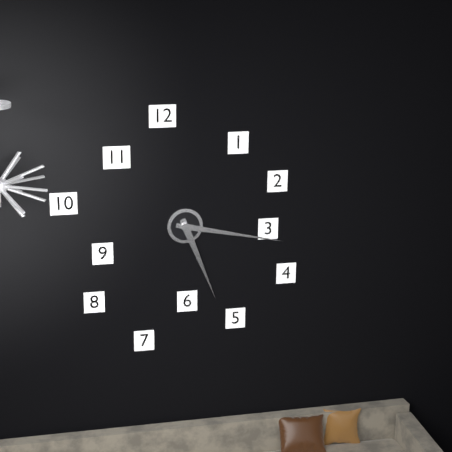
5 h 17 min
